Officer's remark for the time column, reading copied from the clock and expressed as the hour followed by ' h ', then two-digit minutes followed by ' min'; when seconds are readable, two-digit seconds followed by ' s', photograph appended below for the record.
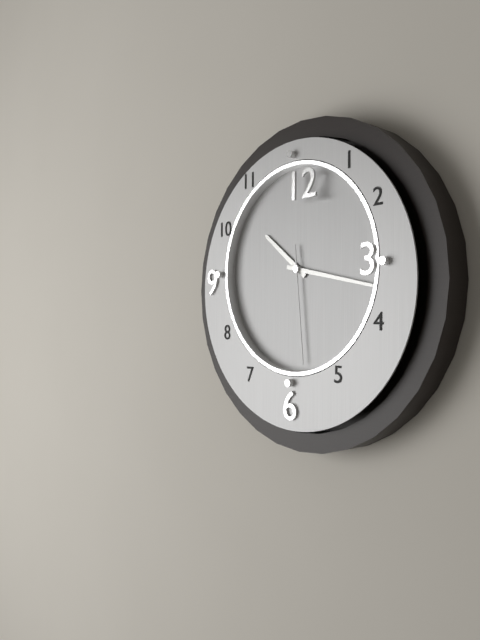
10 h 17 min 29 s
